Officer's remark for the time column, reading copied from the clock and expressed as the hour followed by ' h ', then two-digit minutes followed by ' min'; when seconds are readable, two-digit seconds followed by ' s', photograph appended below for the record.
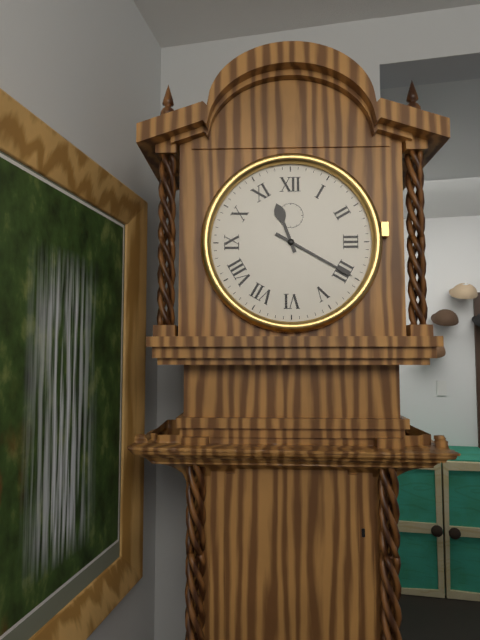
11 h 20 min
